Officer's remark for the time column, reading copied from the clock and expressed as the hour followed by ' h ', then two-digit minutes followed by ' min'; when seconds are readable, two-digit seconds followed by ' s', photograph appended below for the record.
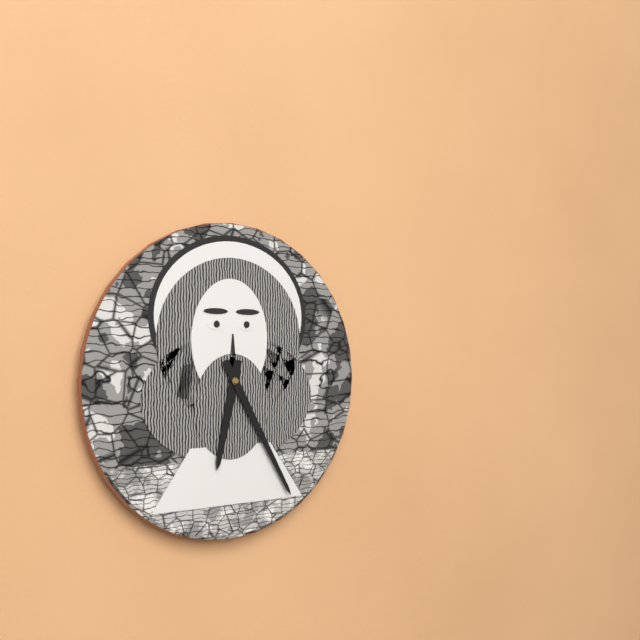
6 h 25 min
